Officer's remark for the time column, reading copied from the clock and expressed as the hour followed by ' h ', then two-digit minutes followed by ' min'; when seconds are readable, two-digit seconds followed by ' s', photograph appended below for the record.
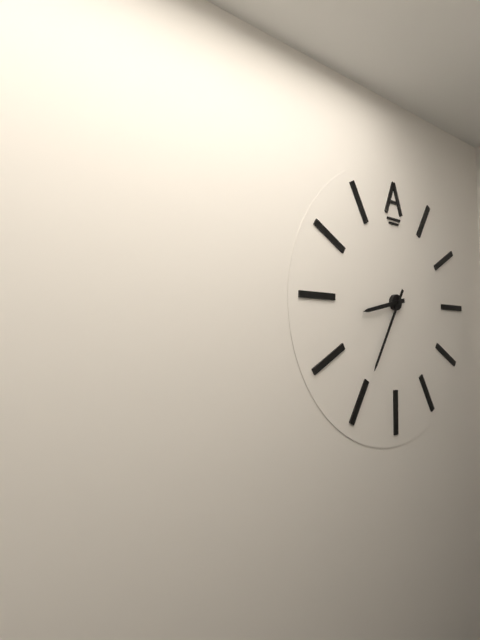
8 h 35 min
